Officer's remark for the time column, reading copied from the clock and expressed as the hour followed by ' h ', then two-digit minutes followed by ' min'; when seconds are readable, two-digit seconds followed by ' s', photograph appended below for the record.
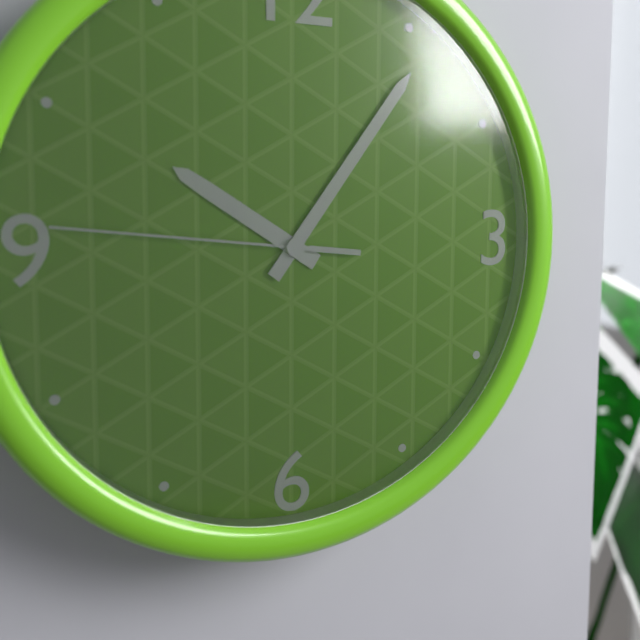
10 h 06 min 46 s
